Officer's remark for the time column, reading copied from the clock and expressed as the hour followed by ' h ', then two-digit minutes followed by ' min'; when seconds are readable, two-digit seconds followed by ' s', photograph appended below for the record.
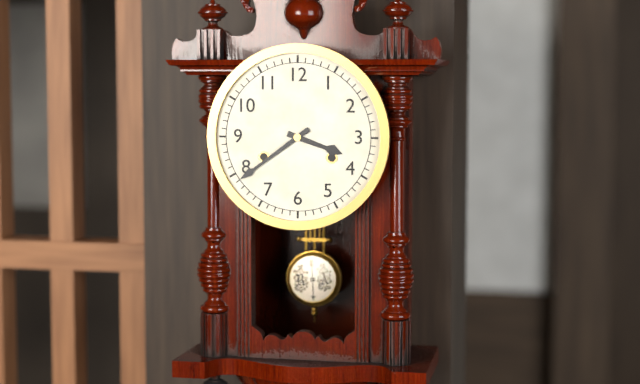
3 h 39 min
